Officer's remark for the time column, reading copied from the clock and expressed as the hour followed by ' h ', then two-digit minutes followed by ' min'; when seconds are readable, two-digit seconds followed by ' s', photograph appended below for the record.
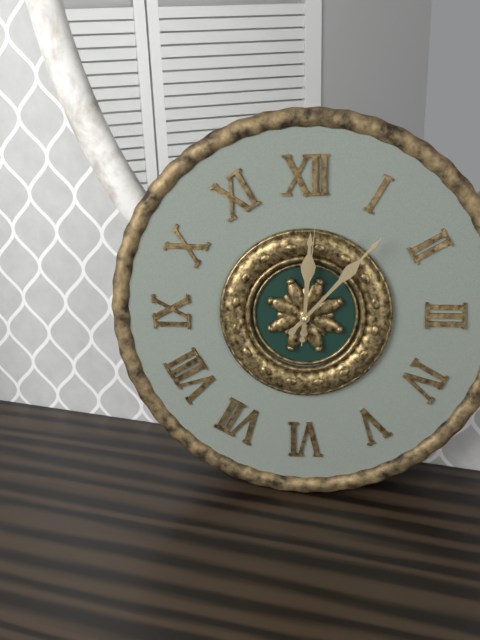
12 h 07 min 01 s
